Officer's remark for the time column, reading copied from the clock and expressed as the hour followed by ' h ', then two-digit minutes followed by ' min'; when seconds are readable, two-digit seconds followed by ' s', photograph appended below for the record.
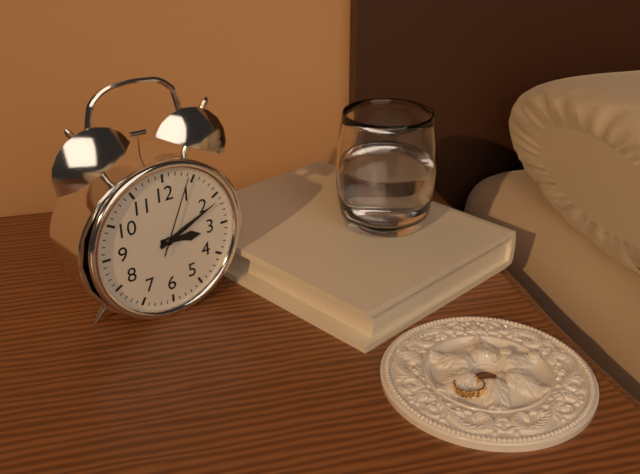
3 h 11 min 04 s
